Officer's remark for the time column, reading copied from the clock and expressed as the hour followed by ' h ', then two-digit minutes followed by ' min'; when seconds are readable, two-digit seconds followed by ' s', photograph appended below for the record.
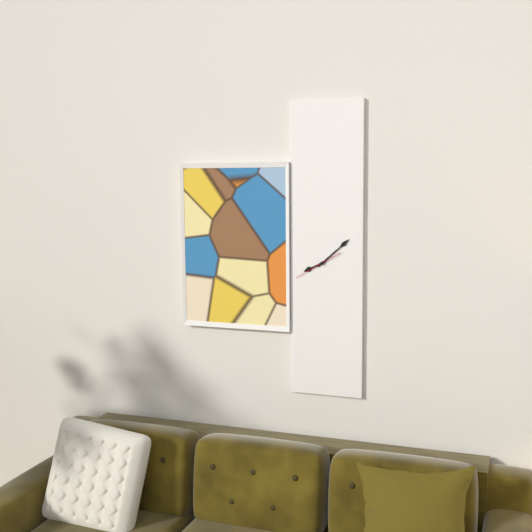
8 h 08 min
